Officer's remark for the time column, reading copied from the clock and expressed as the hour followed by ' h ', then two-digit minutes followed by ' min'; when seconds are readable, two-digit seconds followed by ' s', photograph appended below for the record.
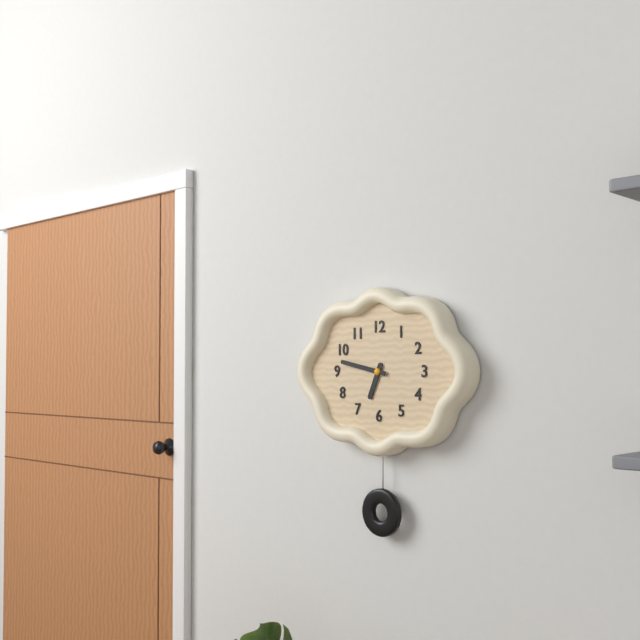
6 h 47 min
